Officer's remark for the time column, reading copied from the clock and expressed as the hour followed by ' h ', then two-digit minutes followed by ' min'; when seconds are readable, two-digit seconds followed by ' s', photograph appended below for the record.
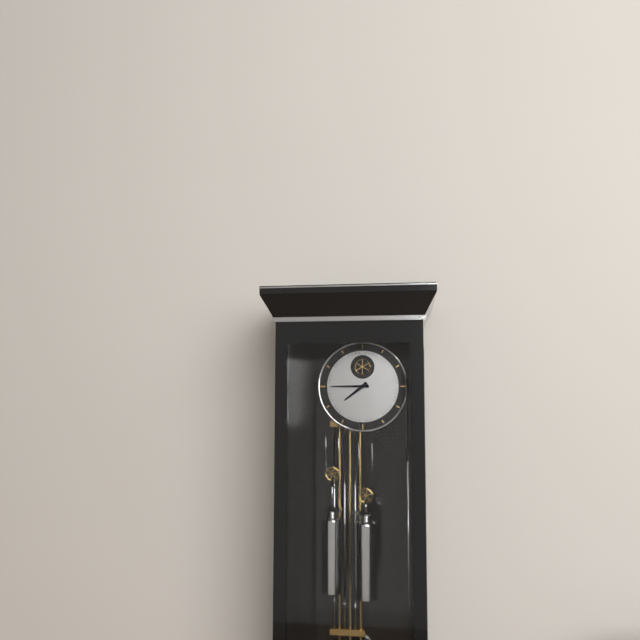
7 h 45 min
